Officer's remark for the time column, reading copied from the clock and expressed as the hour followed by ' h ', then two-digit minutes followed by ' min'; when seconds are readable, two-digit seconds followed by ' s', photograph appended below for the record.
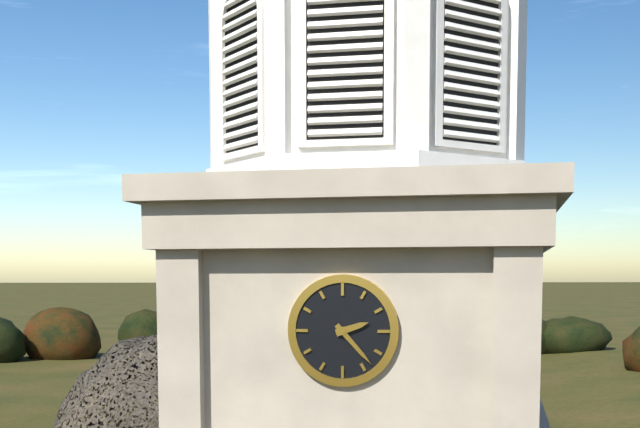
2 h 23 min
